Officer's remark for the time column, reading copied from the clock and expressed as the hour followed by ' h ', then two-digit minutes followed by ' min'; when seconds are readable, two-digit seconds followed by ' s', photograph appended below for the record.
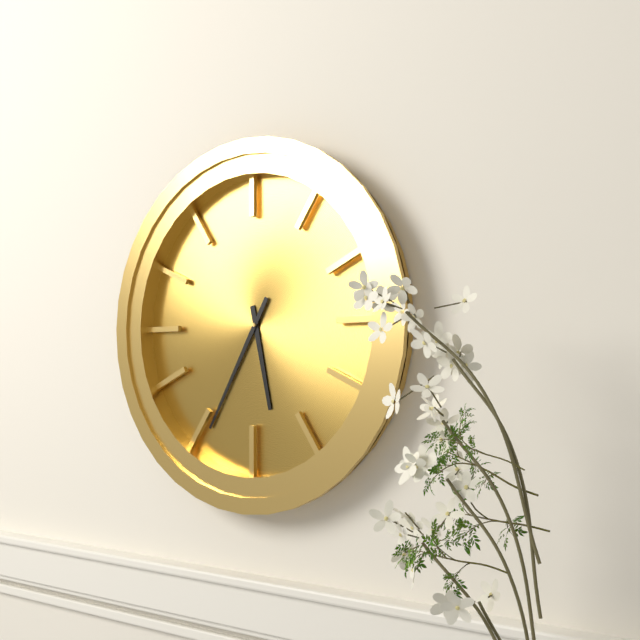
5 h 35 min
